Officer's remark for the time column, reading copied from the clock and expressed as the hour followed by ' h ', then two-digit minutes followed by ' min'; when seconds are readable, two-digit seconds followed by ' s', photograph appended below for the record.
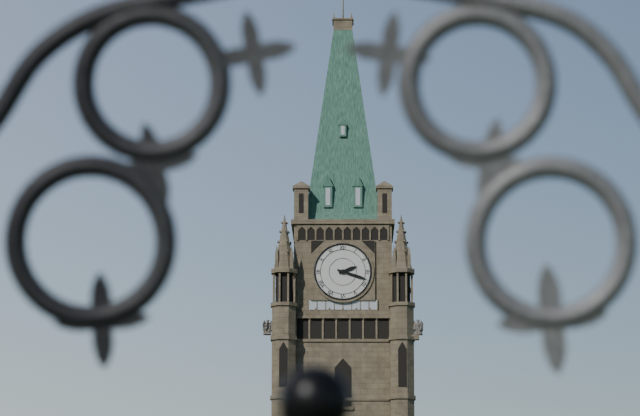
2 h 18 min
